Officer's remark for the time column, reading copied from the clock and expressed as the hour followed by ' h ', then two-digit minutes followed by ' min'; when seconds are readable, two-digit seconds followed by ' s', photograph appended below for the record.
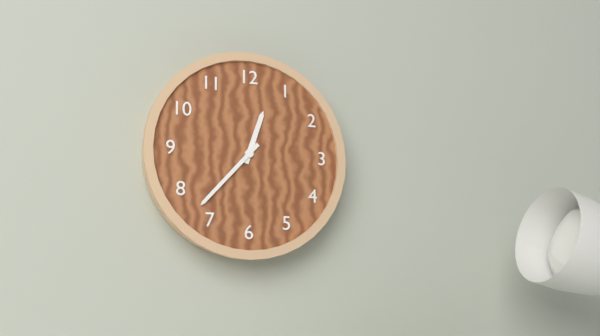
12 h 37 min
